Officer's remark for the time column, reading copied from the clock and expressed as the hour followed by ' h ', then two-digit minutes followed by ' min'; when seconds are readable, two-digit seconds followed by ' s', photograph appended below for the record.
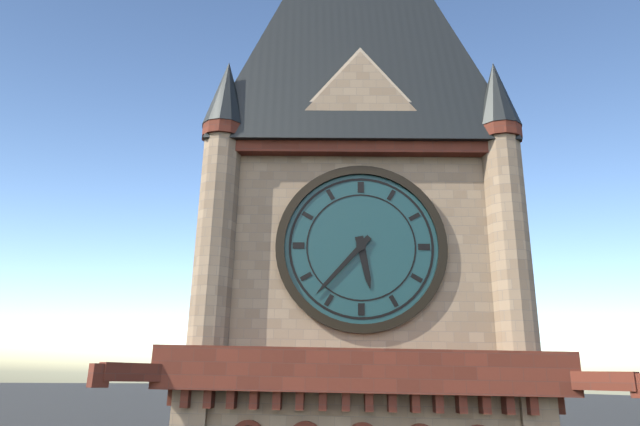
5 h 37 min
